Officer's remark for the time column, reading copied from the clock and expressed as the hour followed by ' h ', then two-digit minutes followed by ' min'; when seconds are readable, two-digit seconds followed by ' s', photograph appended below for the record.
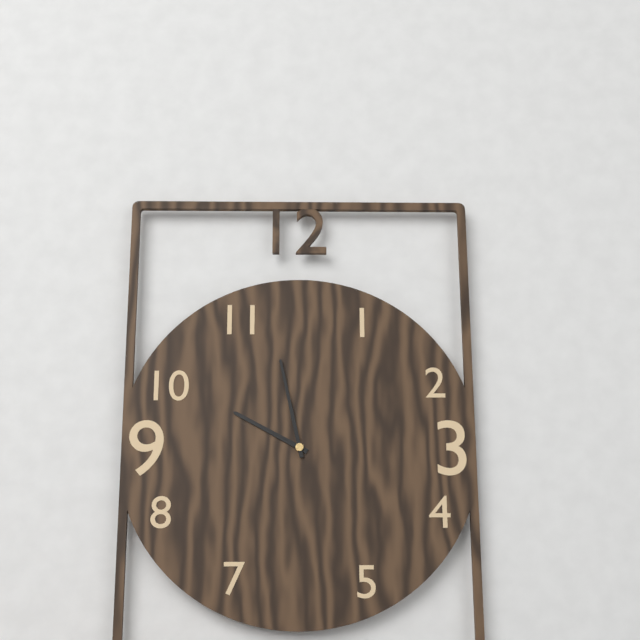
9 h 58 min
